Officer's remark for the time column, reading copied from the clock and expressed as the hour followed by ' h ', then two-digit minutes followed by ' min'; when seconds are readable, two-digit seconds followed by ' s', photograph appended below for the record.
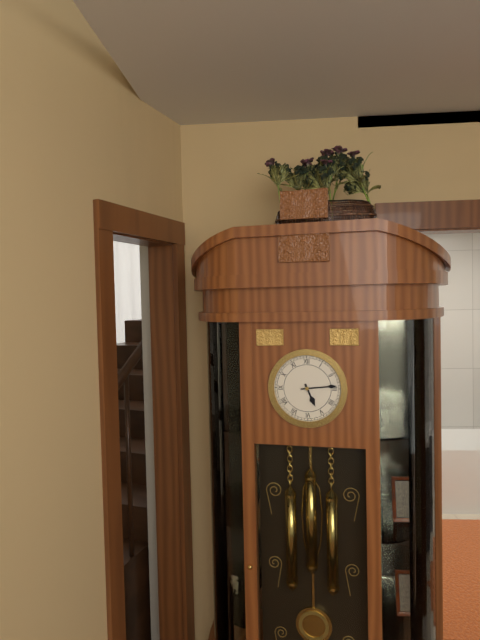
5 h 14 min
